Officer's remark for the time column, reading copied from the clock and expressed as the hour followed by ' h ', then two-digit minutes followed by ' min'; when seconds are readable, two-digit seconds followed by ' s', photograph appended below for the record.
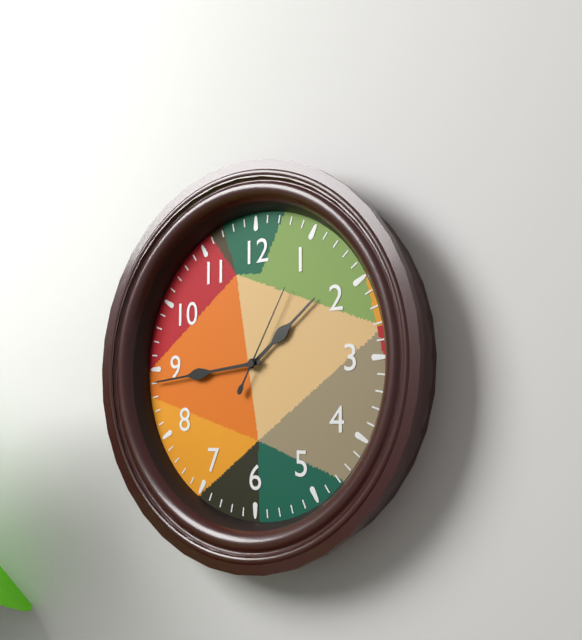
1 h 44 min 05 s
